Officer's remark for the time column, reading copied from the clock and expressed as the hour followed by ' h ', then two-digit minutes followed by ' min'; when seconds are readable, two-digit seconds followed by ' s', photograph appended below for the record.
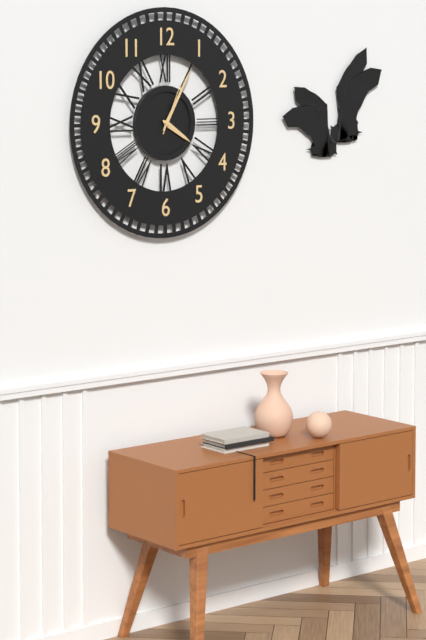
4 h 05 min 04 s
